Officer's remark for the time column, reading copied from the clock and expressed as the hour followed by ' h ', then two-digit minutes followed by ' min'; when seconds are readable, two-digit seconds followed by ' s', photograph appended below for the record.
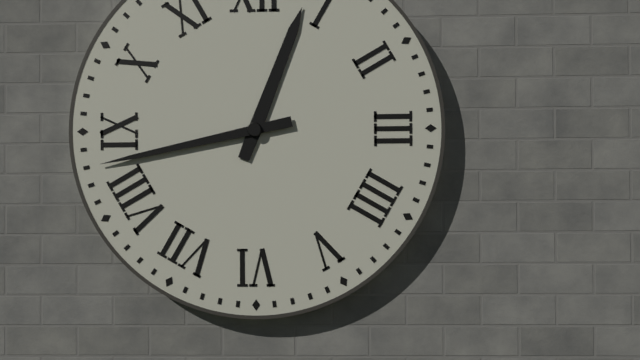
12 h 43 min
